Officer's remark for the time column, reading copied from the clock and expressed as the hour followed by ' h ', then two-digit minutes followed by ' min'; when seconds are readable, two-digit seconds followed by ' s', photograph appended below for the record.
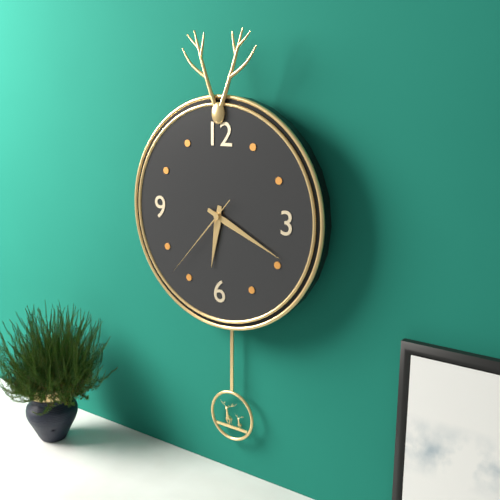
6 h 19 min 37 s
